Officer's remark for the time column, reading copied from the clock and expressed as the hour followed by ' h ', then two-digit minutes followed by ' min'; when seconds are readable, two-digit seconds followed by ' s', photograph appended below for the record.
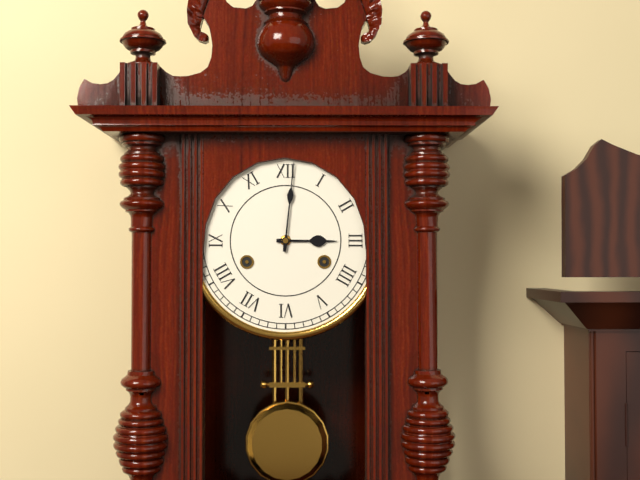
3 h 01 min
